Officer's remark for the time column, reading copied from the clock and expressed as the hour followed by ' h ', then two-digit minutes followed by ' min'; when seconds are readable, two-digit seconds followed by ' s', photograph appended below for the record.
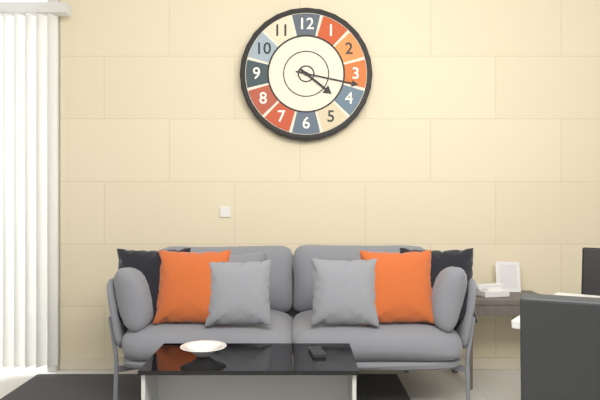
4 h 17 min
